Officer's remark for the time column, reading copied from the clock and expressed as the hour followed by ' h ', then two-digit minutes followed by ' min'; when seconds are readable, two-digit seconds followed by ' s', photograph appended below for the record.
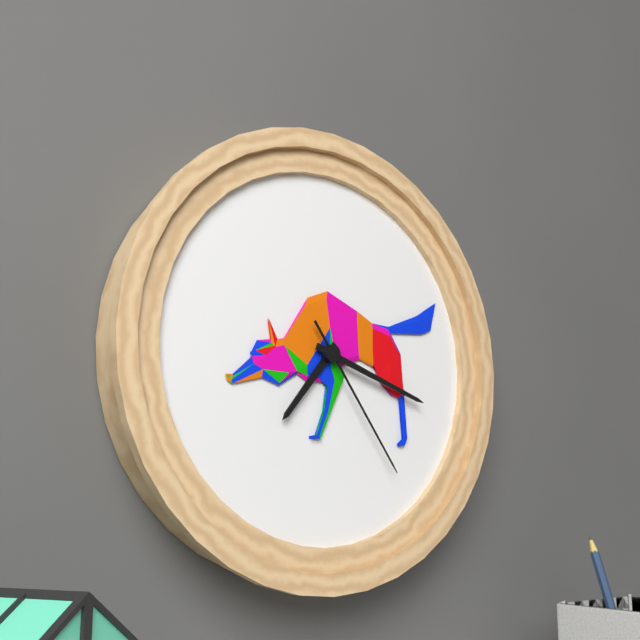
7 h 18 min 24 s
